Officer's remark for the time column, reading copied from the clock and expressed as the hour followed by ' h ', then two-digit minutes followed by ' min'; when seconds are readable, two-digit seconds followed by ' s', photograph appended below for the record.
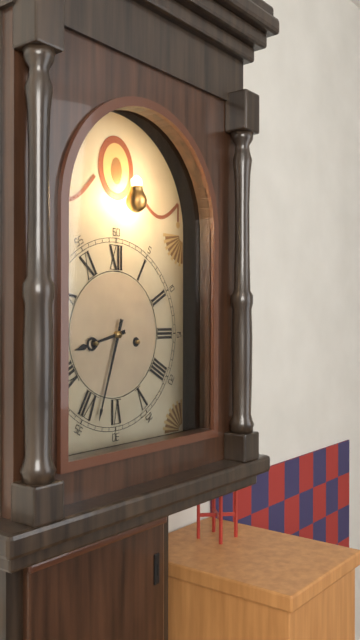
8 h 33 min
